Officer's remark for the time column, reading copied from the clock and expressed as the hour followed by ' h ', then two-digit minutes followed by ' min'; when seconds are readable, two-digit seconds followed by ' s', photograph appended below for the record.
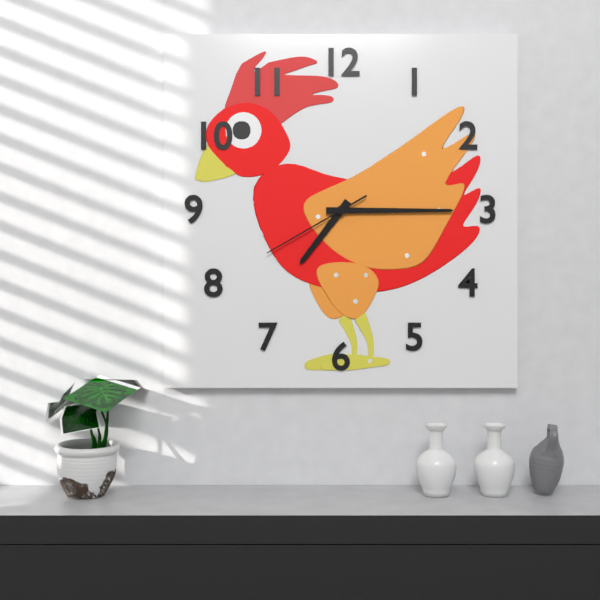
7 h 15 min 40 s
